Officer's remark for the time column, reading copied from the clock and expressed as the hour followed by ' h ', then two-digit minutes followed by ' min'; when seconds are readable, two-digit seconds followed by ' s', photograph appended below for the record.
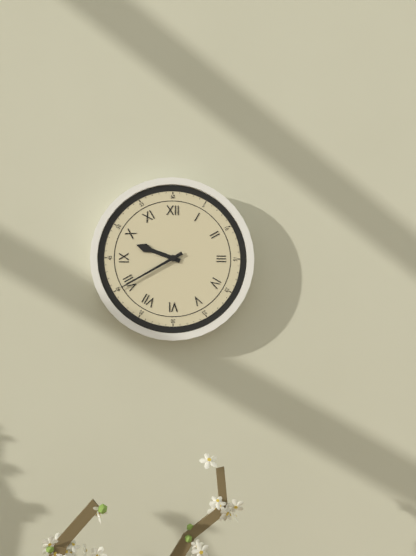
9 h 40 min
